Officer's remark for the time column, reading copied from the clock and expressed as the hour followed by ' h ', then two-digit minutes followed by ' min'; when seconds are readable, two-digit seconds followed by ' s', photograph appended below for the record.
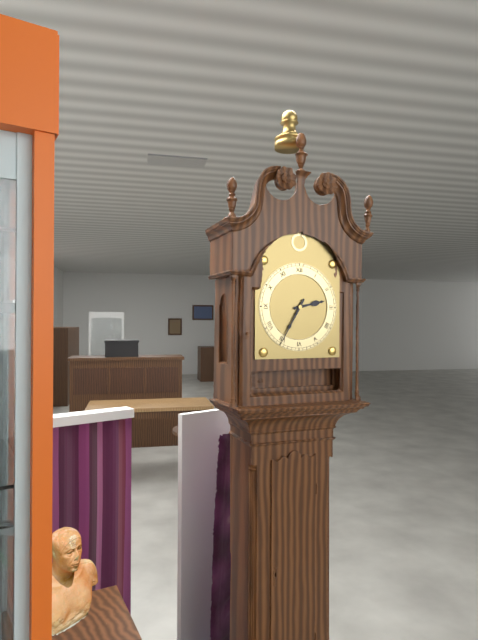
2 h 35 min
